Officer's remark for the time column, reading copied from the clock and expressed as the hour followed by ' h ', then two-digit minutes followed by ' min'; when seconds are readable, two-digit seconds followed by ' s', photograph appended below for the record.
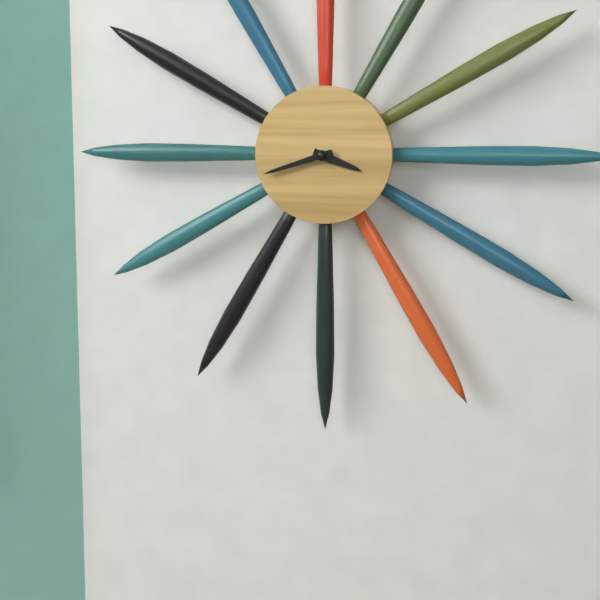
3 h 42 min
